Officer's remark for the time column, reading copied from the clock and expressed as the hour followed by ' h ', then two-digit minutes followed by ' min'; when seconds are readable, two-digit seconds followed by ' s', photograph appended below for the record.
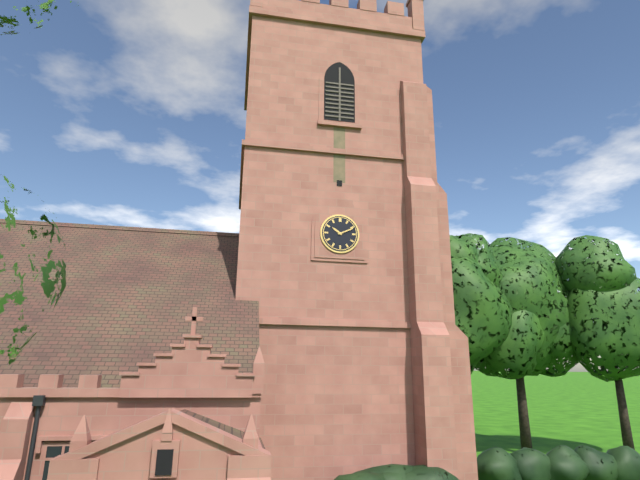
10 h 11 min
